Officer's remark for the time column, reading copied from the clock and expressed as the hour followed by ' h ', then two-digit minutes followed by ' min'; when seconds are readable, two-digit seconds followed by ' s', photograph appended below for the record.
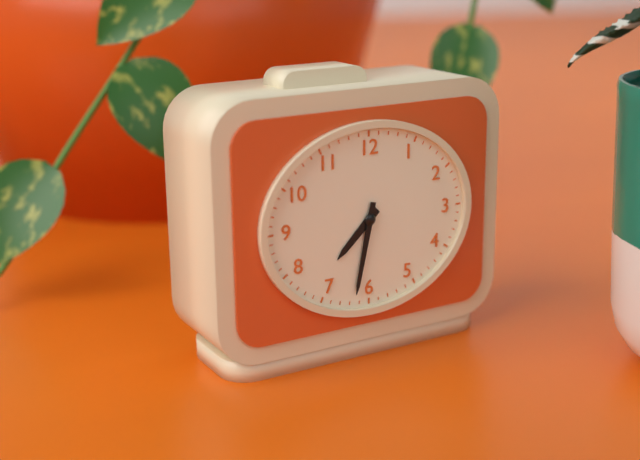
7 h 32 min
